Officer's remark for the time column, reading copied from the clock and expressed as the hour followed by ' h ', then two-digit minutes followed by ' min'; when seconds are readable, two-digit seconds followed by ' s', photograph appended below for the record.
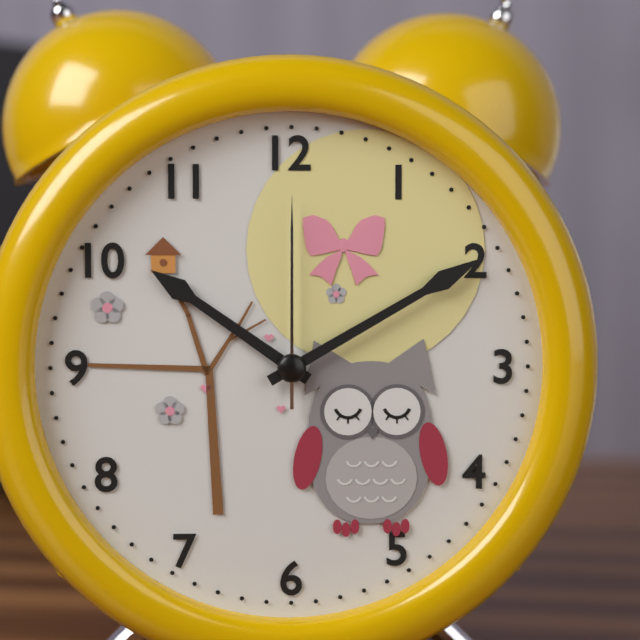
10 h 10 min 00 s
